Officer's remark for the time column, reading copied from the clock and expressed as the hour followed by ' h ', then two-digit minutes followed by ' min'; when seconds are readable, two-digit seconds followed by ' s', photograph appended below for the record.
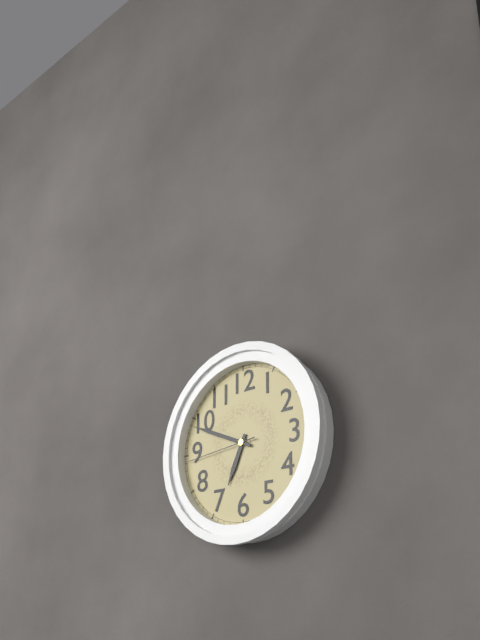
6 h 49 min 44 s
